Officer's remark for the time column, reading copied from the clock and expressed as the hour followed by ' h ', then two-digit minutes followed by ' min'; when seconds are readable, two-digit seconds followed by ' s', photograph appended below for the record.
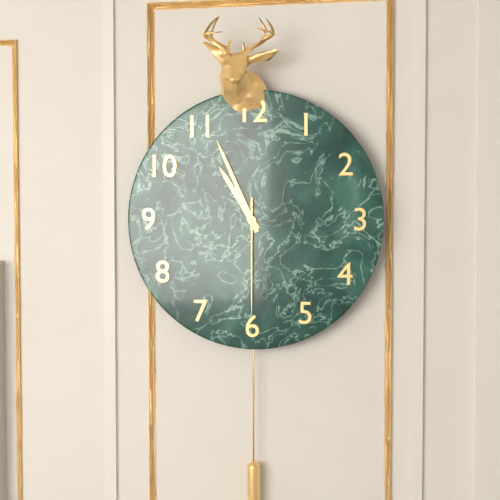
10 h 56 min 30 s
